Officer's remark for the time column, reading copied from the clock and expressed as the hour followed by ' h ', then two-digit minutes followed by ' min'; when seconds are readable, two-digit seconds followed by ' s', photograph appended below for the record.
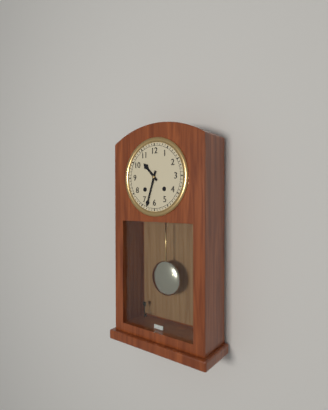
10 h 33 min
